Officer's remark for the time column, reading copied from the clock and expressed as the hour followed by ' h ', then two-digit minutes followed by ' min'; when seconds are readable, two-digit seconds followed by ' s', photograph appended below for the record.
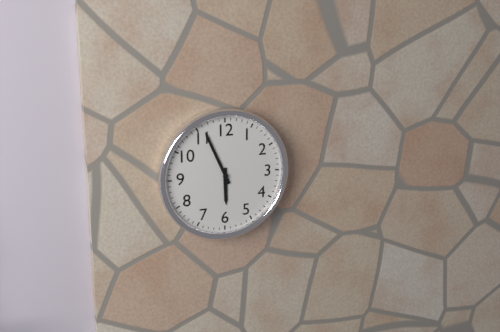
5 h 56 min
